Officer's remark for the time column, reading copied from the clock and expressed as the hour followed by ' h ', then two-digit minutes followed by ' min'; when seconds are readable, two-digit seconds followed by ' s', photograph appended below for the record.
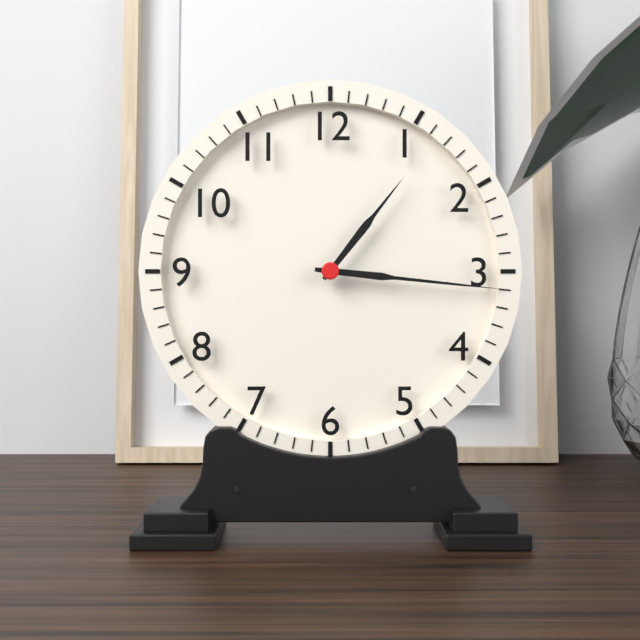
1 h 16 min
